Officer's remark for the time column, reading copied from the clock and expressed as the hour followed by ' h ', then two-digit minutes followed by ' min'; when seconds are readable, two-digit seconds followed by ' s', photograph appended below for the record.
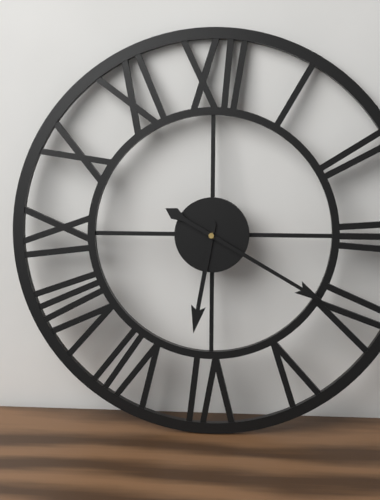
6 h 20 min
